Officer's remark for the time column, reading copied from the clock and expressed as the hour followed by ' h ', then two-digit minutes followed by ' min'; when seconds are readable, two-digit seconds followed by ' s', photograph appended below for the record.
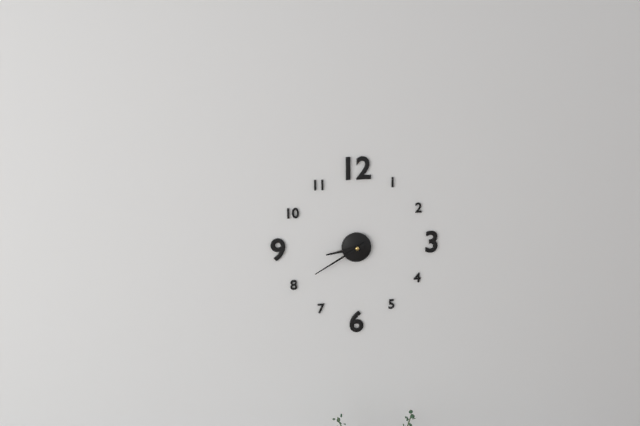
8 h 40 min
